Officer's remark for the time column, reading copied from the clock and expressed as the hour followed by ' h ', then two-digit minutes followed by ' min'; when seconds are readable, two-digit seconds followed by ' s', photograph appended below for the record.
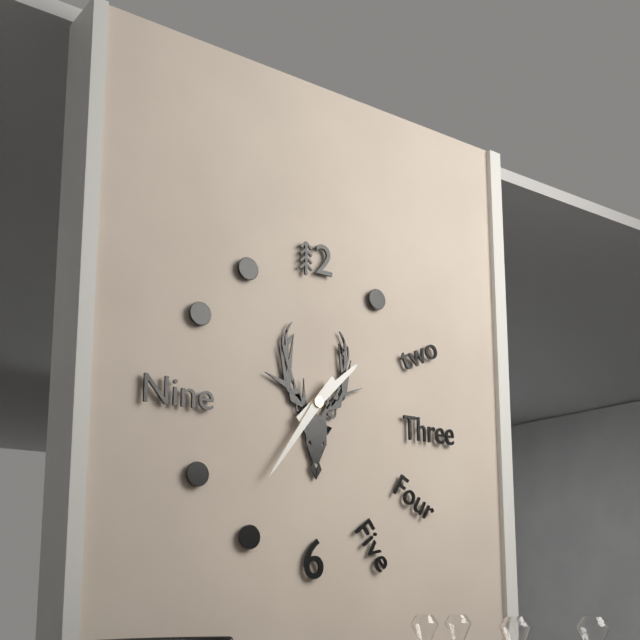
1 h 36 min
